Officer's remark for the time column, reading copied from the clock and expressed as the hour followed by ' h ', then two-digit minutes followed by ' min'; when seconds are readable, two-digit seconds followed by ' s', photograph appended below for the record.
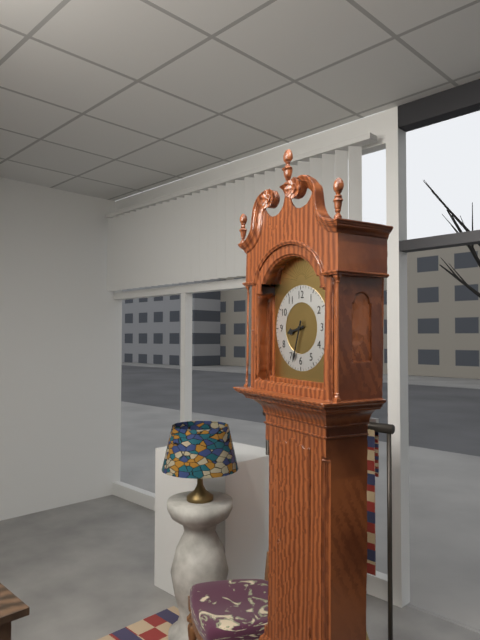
8 h 33 min
